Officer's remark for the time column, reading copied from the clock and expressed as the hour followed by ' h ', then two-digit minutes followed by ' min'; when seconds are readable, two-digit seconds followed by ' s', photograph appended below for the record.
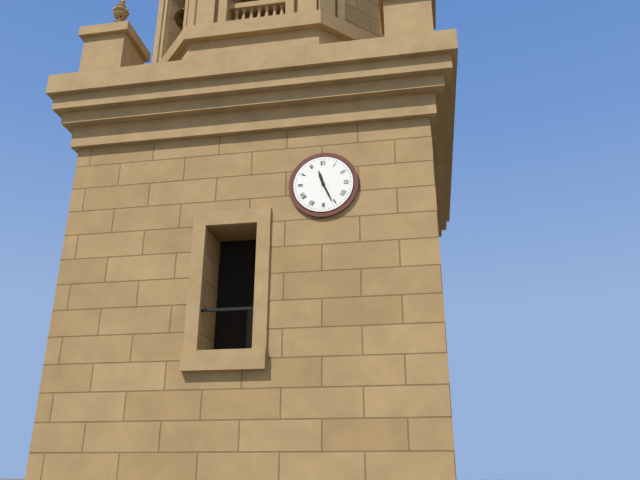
11 h 26 min
